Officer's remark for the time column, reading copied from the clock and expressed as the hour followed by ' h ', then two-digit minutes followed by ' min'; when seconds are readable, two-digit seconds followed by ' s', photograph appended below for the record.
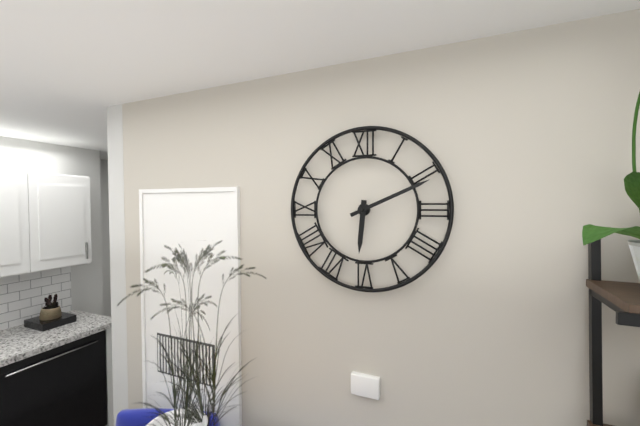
6 h 11 min
